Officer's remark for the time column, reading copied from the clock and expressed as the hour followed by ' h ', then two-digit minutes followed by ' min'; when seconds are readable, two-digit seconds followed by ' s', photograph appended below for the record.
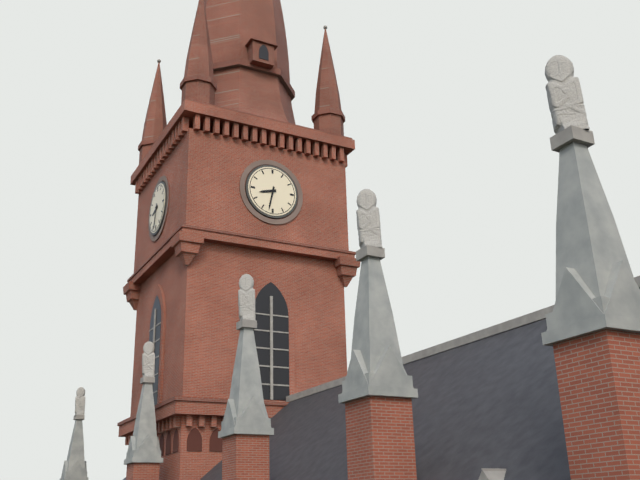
8 h 32 min
